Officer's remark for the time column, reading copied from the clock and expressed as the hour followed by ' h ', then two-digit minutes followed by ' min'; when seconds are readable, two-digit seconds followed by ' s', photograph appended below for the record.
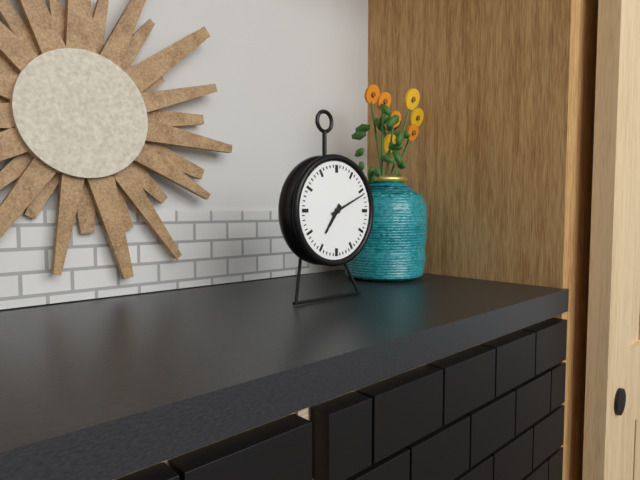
7 h 11 min
